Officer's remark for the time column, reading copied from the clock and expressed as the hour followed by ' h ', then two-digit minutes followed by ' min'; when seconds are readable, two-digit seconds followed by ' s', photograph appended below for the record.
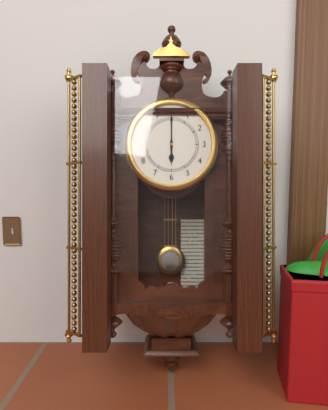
6 h 00 min
